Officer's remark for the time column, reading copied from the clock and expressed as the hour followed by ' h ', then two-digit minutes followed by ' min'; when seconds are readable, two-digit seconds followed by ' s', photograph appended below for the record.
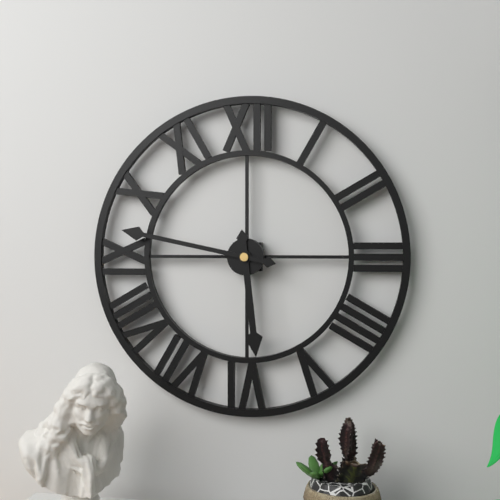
5 h 47 min
